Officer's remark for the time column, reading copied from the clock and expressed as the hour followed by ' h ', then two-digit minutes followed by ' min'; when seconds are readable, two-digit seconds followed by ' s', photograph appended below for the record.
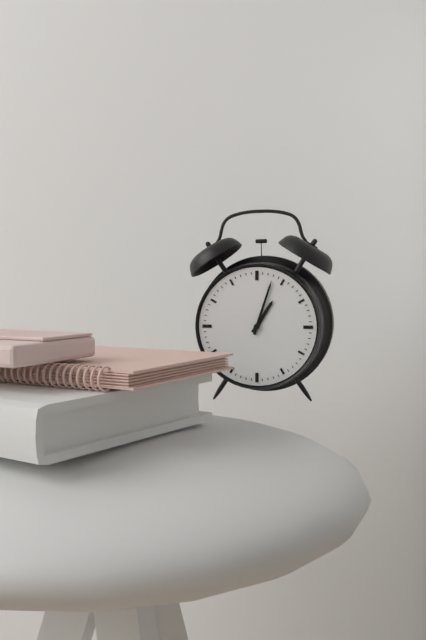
1 h 03 min
